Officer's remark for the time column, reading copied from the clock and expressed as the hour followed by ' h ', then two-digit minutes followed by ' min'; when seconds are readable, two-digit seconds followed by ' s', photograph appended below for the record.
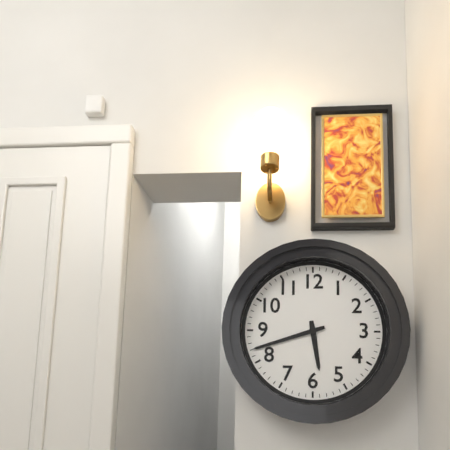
5 h 42 min
